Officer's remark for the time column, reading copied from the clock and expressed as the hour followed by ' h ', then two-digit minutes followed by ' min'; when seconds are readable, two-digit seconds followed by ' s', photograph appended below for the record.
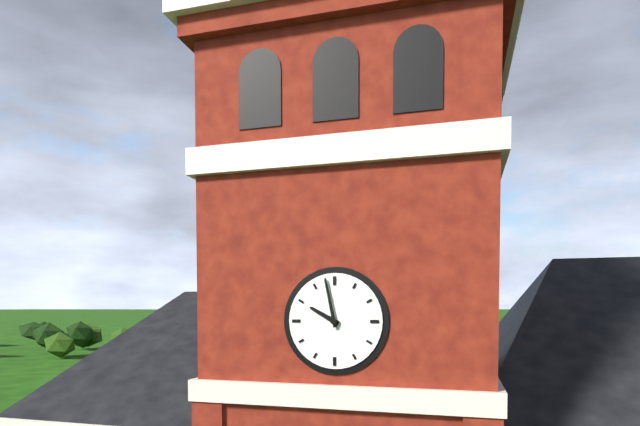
9 h 58 min
